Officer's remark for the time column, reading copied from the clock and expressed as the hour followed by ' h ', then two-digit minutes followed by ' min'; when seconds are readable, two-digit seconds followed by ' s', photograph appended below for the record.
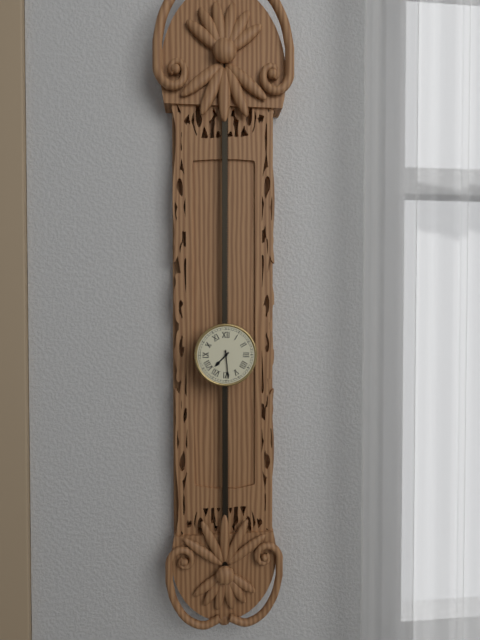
7 h 29 min
